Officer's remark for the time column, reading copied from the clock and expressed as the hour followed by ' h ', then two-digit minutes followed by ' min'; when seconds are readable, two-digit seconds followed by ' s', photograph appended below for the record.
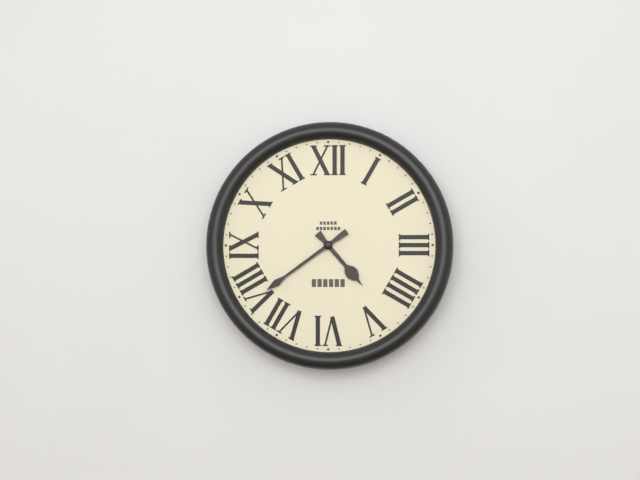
4 h 39 min
